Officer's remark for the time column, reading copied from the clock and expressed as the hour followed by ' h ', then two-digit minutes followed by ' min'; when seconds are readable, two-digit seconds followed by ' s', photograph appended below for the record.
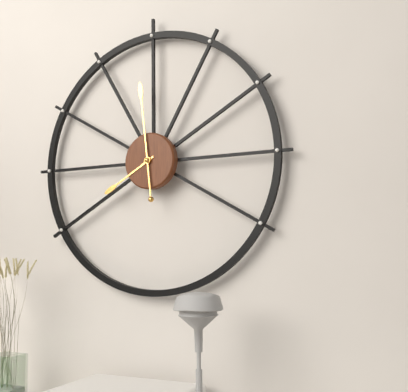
7 h 59 min
